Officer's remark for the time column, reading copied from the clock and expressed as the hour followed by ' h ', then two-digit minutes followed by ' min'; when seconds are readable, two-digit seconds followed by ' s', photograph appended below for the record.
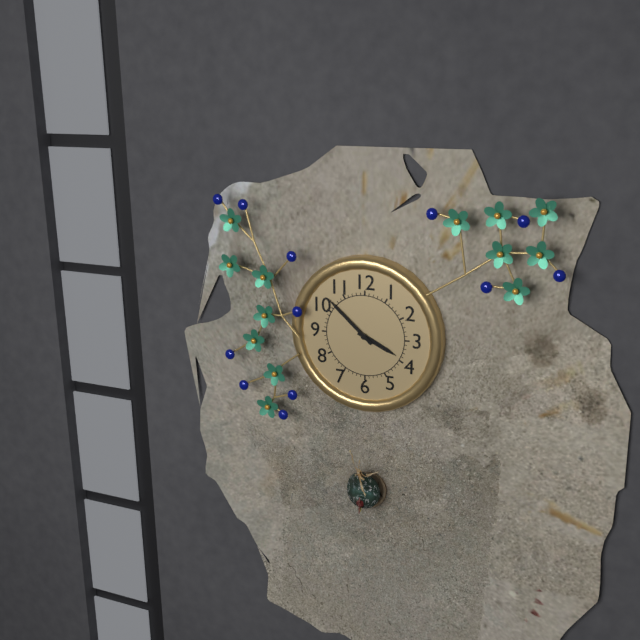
3 h 52 min
